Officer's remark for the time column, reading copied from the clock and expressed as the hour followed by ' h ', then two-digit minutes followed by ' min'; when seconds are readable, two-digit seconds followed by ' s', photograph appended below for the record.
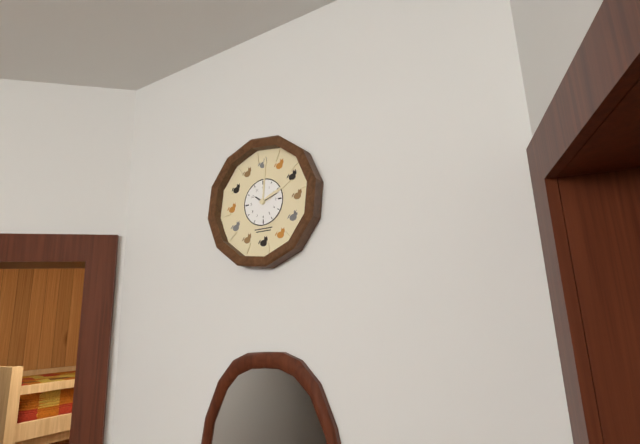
10 h 12 min
